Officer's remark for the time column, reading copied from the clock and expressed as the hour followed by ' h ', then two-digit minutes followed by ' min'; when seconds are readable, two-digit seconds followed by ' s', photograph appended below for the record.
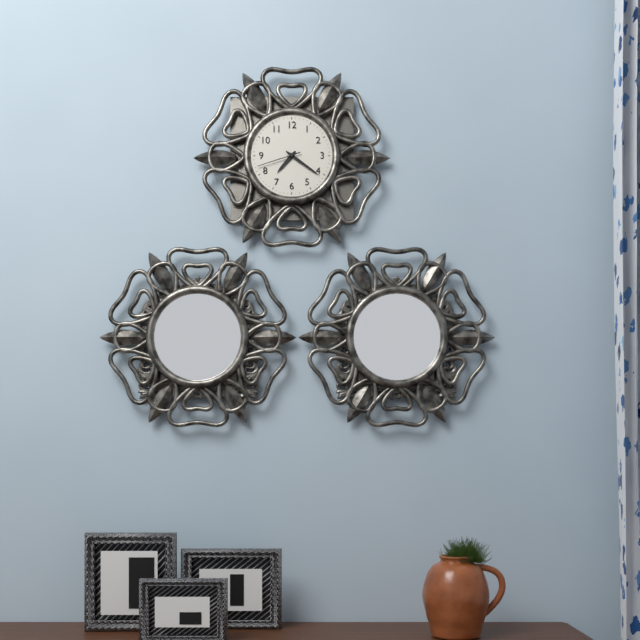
7 h 21 min
